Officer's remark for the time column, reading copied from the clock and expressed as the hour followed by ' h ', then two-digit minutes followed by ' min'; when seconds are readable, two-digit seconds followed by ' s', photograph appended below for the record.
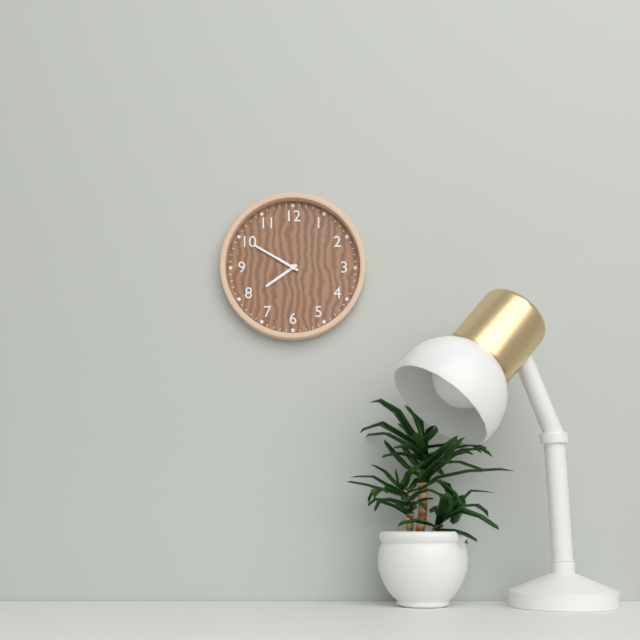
7 h 50 min
